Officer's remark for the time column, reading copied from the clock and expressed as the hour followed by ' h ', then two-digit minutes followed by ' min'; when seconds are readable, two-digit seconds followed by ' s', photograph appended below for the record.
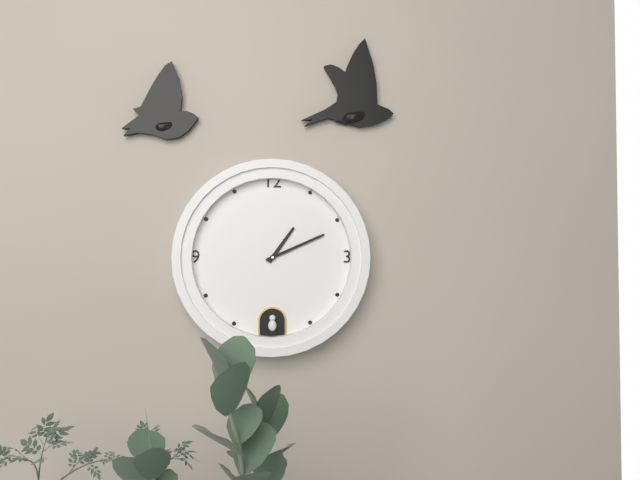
1 h 11 min
